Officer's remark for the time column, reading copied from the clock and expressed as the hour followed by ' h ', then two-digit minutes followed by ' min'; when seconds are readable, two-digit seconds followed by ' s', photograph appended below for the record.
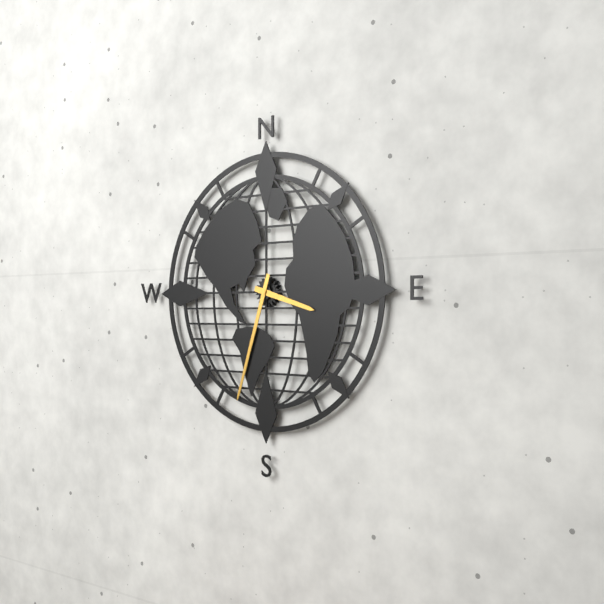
3 h 33 min
